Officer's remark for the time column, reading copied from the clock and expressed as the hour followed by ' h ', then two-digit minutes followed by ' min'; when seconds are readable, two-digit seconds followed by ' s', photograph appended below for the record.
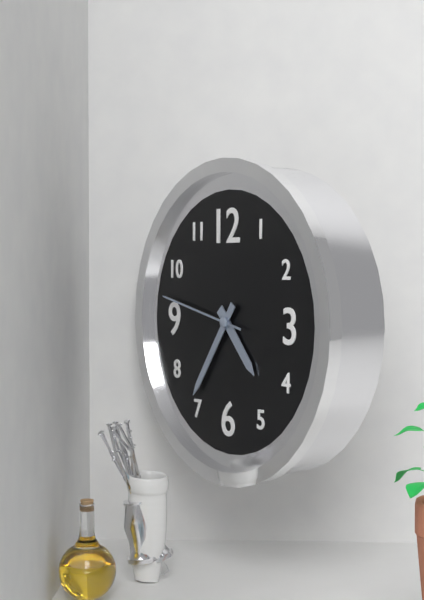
4 h 36 min 47 s
